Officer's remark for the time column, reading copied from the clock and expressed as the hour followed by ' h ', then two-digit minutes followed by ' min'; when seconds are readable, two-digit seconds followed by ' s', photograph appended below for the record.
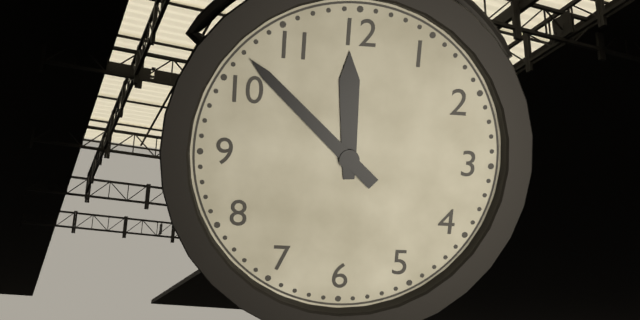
11 h 52 min
